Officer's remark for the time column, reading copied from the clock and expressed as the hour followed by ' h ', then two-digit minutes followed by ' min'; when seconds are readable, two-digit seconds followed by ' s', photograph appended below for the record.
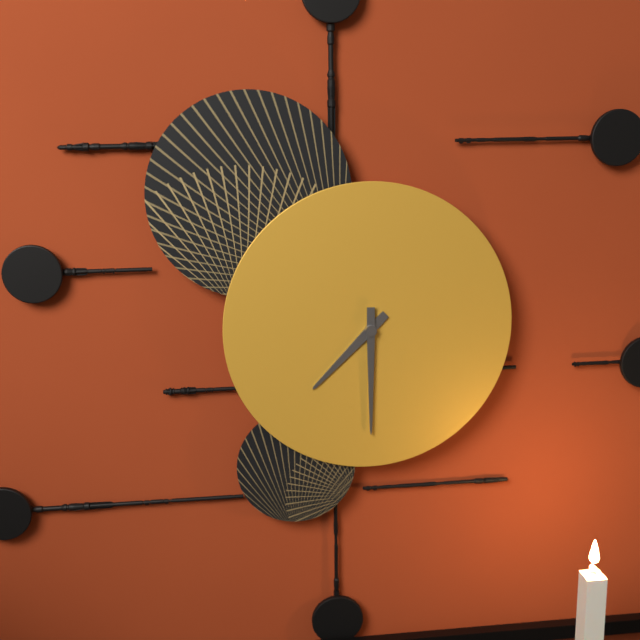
7 h 30 min
